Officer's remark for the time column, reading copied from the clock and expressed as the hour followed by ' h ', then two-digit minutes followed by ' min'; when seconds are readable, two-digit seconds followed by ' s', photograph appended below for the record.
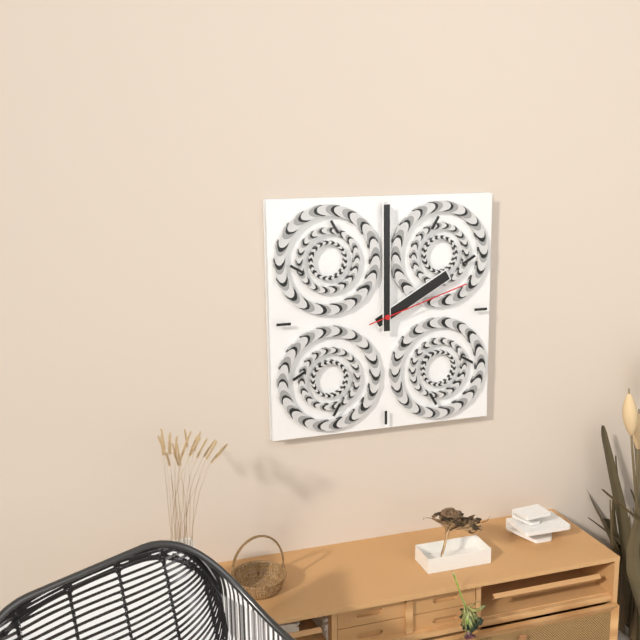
2 h 00 min 12 s
